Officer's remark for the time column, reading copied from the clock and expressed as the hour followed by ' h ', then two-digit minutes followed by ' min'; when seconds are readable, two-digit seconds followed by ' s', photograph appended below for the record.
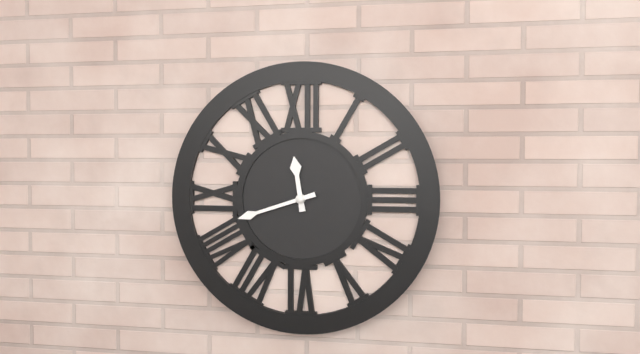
11 h 42 min
